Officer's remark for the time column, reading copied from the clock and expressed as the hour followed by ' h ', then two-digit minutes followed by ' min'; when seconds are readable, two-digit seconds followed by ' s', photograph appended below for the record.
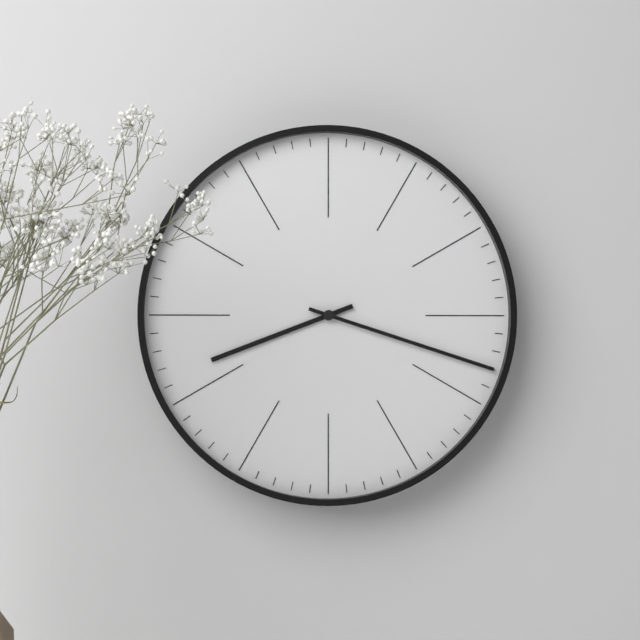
8 h 18 min
